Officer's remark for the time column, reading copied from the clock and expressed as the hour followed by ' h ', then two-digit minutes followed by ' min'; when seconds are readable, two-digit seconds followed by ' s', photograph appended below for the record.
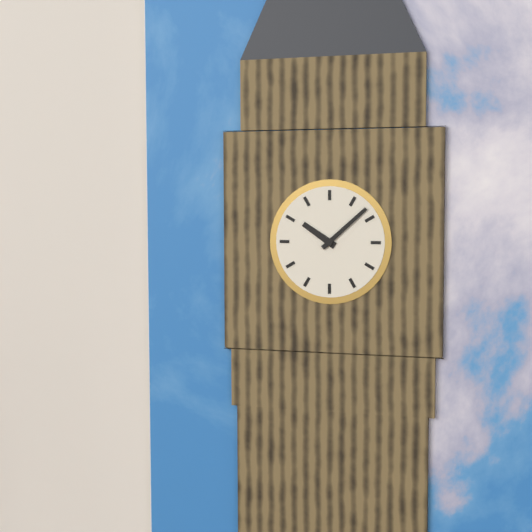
10 h 08 min
